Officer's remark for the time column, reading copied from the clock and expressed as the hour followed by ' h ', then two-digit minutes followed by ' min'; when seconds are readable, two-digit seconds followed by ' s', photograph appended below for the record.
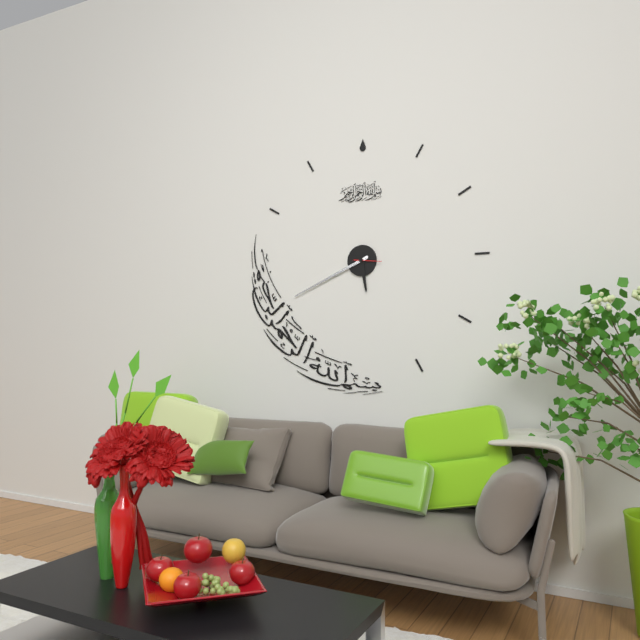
5 h 41 min
